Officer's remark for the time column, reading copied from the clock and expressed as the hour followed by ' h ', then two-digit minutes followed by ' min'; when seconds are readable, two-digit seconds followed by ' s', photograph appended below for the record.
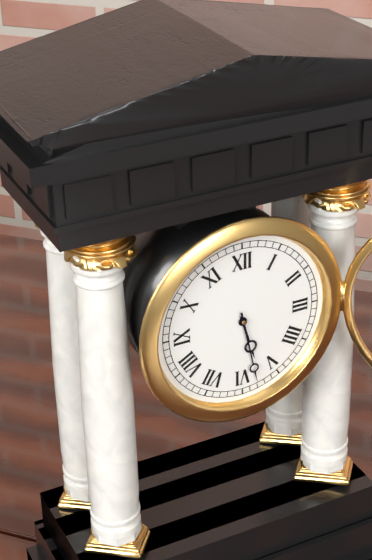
5 h 28 min
